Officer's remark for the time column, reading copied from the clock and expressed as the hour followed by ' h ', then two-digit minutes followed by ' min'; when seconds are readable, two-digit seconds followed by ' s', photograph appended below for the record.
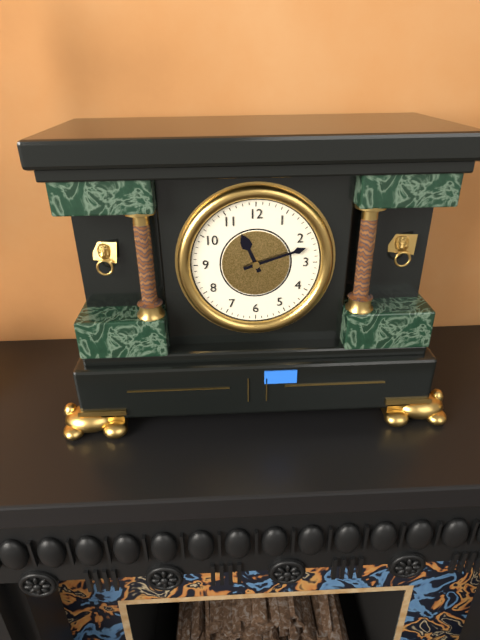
11 h 12 min
